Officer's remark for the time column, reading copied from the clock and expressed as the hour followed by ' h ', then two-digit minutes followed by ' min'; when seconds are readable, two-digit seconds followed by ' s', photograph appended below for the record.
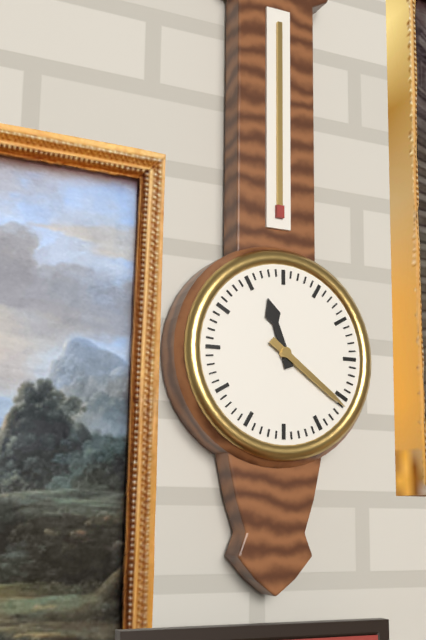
11 h 21 min
